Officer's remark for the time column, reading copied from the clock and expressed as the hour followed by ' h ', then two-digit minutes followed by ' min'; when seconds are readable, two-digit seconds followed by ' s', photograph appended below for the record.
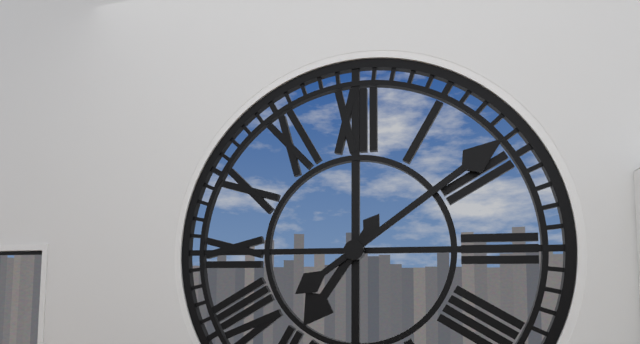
7 h 09 min
